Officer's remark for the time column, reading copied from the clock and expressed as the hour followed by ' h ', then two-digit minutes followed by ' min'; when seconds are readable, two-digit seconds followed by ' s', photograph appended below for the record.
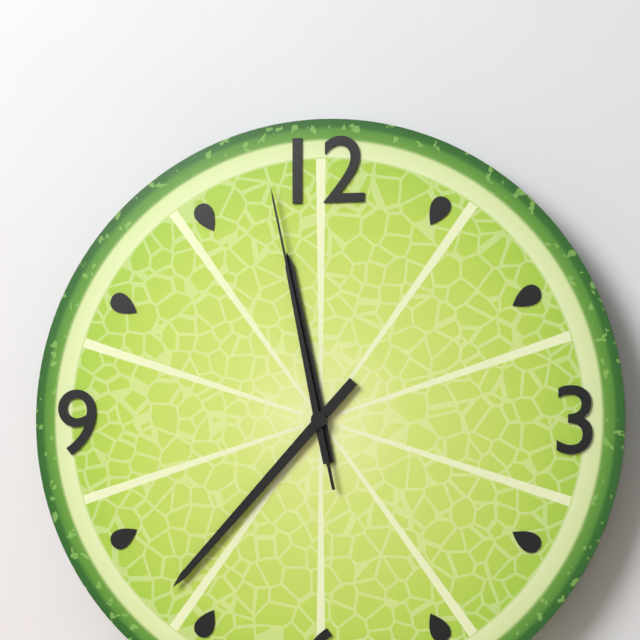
11 h 37 min 58 s
